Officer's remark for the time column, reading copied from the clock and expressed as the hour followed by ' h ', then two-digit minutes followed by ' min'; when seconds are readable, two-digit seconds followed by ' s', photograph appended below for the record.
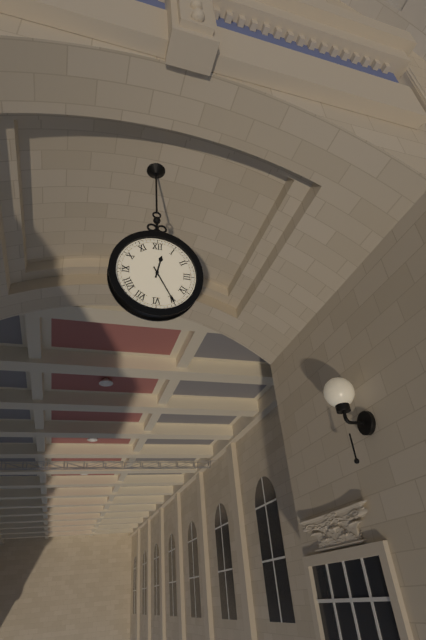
12 h 25 min
